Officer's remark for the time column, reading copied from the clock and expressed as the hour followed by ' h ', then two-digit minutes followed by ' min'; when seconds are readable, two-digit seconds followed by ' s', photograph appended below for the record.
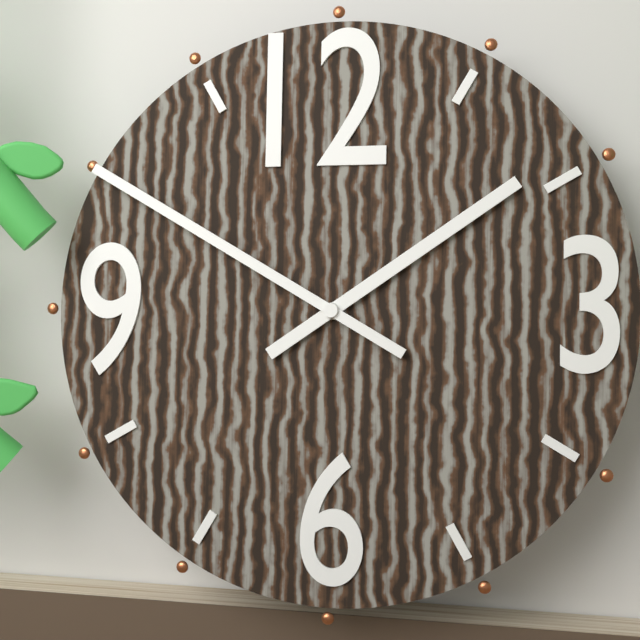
1 h 50 min
